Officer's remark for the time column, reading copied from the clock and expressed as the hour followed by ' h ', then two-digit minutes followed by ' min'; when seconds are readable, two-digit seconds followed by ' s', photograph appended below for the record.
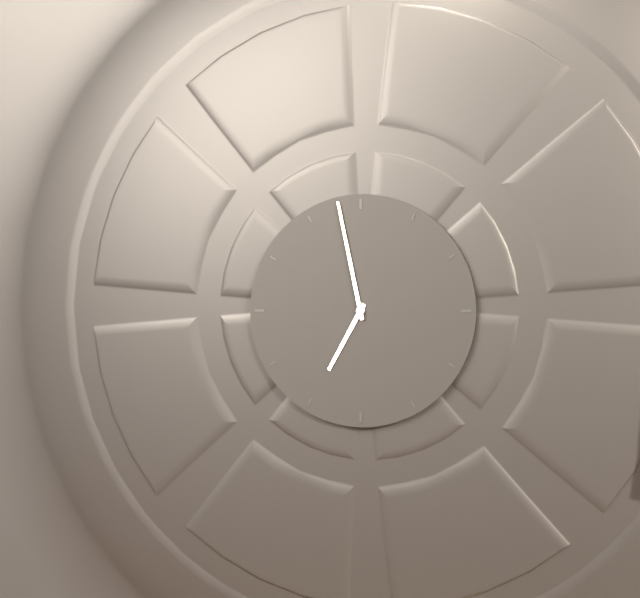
6 h 58 min
